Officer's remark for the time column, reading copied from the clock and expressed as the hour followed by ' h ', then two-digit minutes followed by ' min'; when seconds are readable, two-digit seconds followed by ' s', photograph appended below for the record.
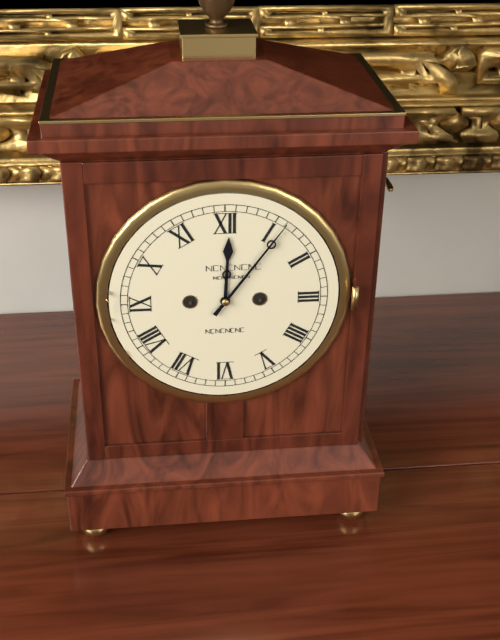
12 h 06 min
